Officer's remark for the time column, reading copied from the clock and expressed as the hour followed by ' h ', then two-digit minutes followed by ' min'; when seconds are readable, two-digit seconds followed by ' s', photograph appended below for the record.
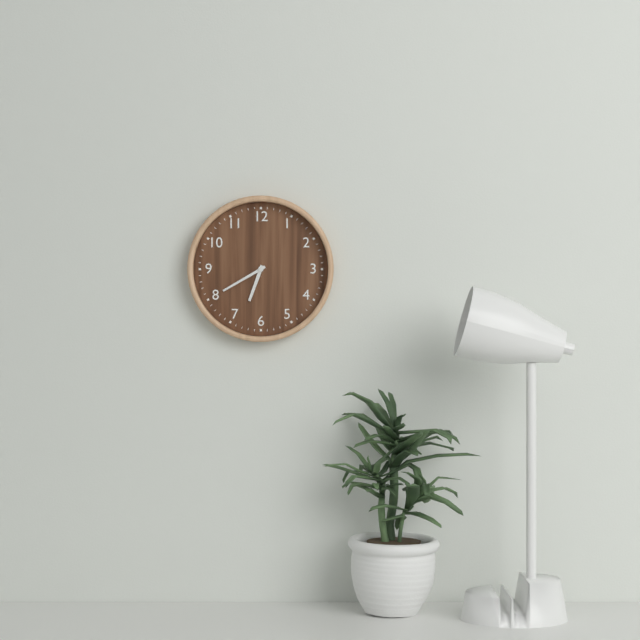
6 h 40 min
